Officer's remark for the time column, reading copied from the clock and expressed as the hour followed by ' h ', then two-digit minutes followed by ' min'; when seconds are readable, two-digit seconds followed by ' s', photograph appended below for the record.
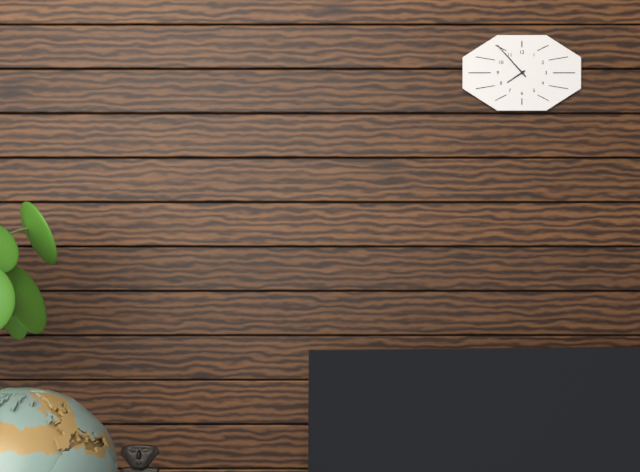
7 h 53 min
